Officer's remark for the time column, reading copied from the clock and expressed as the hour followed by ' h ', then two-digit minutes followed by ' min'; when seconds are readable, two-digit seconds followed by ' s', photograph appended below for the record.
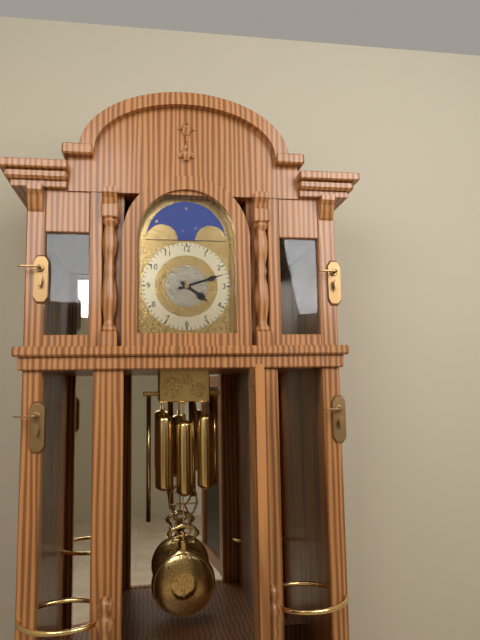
4 h 12 min
